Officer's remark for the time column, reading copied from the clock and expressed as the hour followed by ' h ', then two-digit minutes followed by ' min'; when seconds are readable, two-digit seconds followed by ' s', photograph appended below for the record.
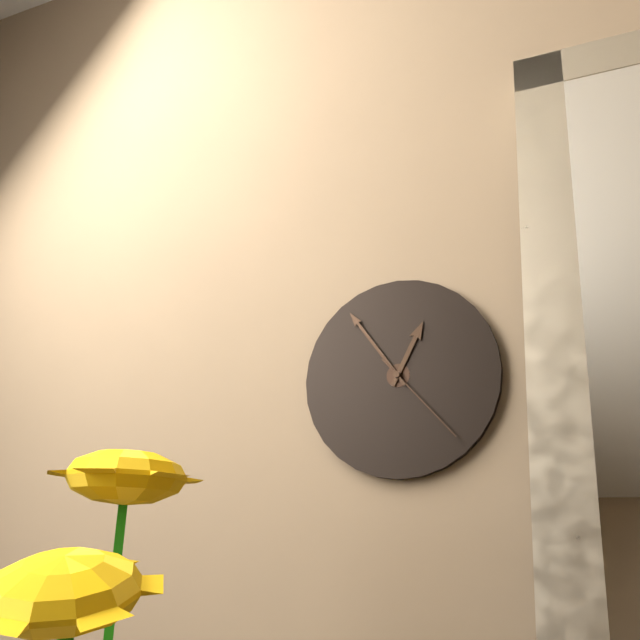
12 h 54 min 23 s
